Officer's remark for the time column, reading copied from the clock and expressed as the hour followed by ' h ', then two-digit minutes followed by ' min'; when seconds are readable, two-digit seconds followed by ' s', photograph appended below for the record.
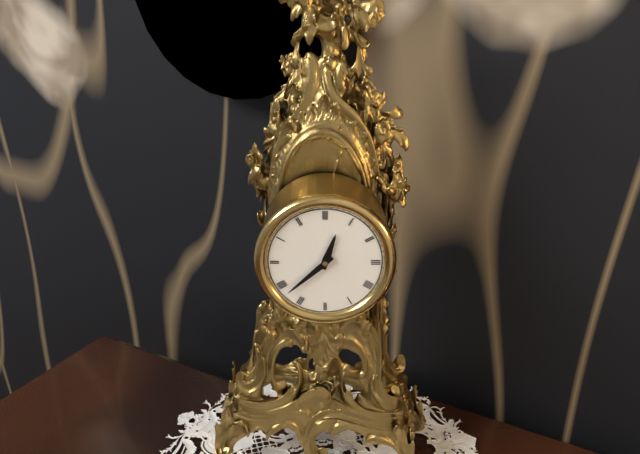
12 h 38 min
